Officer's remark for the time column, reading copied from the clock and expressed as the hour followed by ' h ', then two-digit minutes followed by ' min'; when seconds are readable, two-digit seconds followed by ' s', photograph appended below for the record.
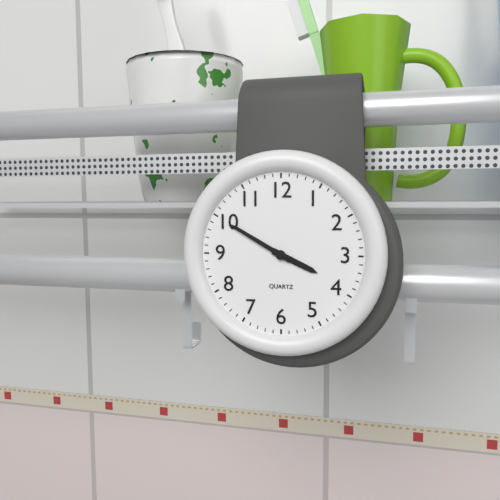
3 h 50 min
